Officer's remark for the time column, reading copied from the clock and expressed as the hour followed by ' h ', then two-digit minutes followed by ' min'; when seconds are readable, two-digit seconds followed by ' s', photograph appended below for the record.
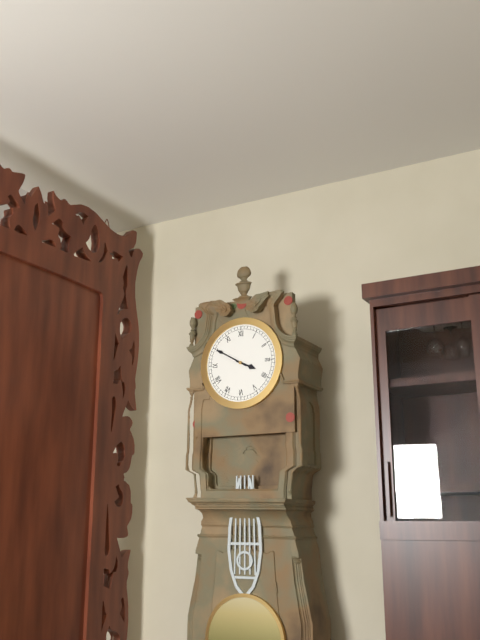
3 h 50 min
